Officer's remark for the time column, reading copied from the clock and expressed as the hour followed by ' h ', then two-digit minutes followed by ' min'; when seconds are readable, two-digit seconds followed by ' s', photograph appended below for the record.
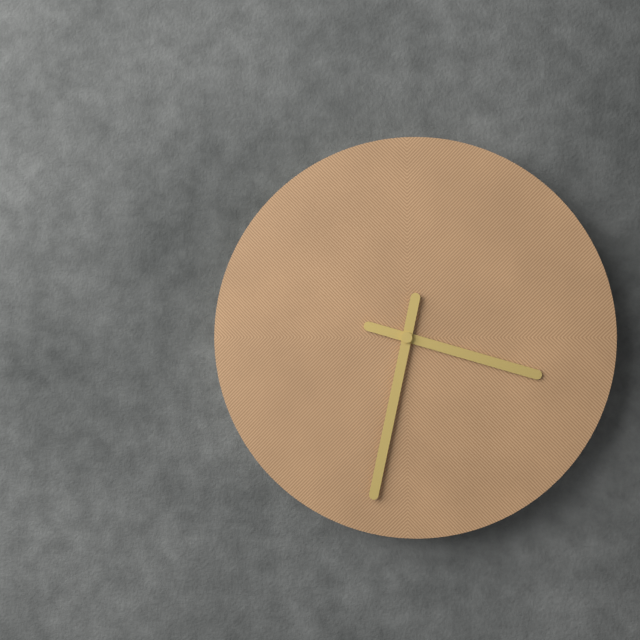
3 h 32 min
